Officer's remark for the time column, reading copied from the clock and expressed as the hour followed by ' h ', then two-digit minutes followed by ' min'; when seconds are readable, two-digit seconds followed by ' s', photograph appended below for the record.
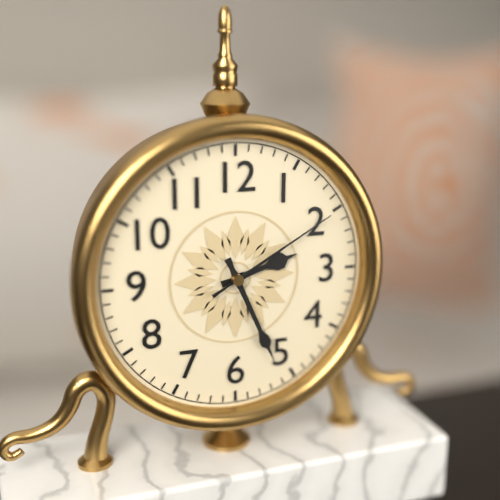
2 h 26 min 10 s
